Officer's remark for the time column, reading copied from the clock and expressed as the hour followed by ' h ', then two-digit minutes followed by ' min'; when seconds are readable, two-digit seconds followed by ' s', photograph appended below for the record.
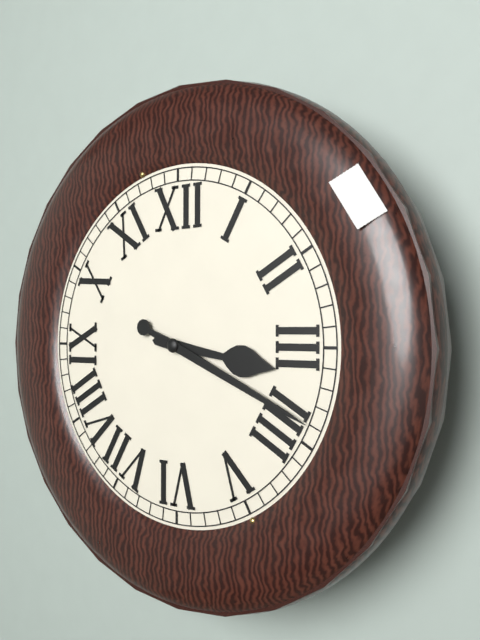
3 h 19 min
